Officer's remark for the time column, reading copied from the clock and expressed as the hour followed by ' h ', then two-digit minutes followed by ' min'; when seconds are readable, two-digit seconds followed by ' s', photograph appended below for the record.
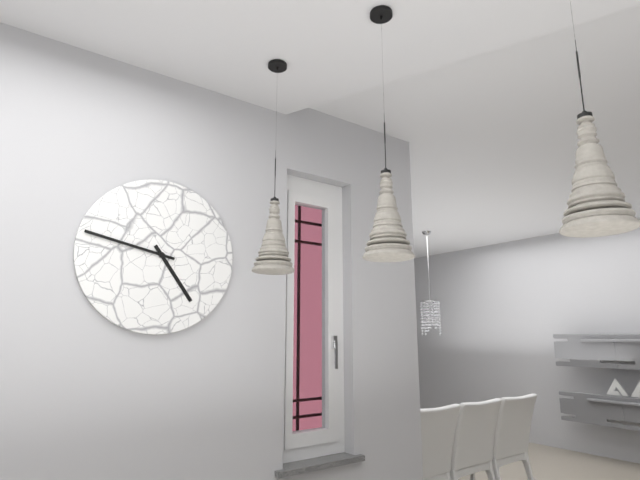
4 h 47 min
